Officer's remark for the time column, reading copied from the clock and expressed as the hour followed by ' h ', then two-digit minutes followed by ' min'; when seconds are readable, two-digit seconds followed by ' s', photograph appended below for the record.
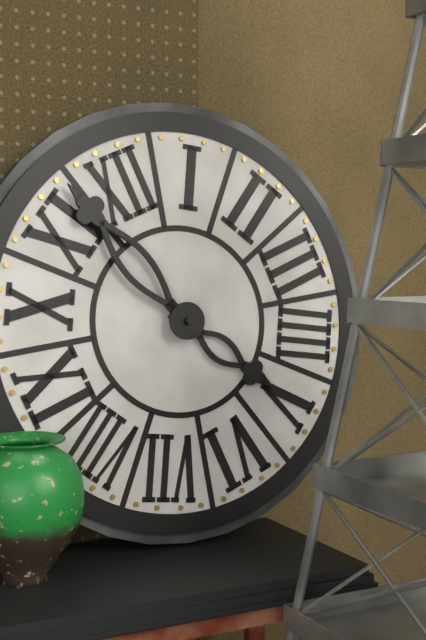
4 h 57 min
